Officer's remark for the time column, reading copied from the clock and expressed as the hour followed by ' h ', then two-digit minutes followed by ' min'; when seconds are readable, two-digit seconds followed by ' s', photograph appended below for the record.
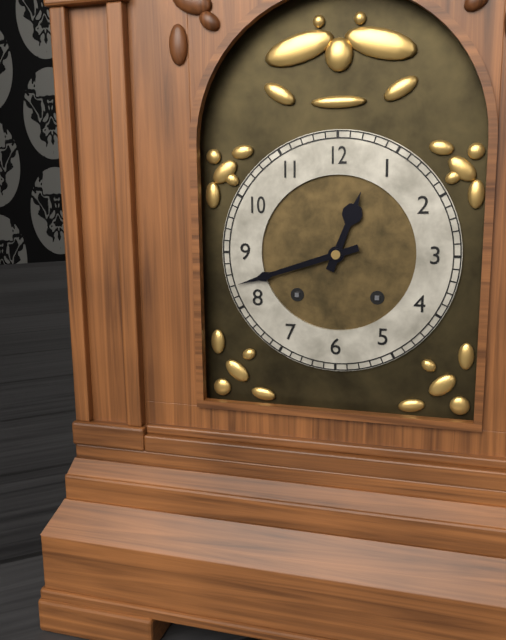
12 h 42 min
